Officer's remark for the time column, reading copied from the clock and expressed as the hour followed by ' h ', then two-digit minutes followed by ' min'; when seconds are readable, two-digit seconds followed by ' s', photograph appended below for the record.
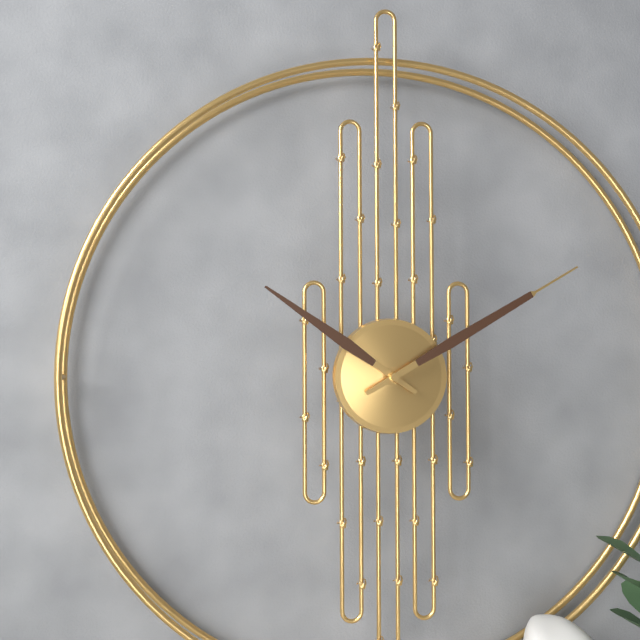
10 h 10 min
